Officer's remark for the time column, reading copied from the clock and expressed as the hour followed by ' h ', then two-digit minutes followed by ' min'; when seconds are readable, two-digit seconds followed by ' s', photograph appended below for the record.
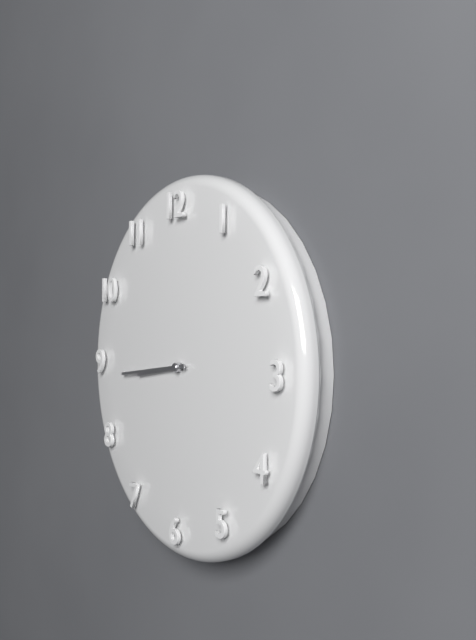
8 h 44 min
